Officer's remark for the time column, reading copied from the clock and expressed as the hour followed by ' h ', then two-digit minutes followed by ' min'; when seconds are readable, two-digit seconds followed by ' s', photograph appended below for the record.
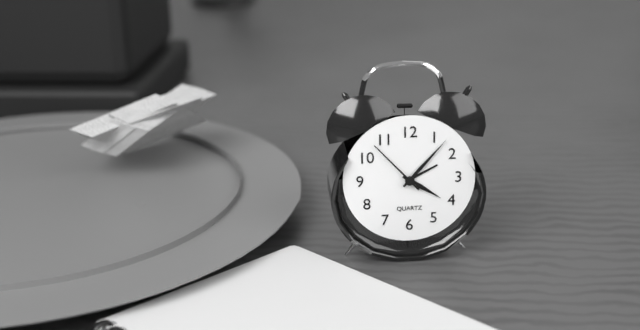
4 h 07 min 53 s
